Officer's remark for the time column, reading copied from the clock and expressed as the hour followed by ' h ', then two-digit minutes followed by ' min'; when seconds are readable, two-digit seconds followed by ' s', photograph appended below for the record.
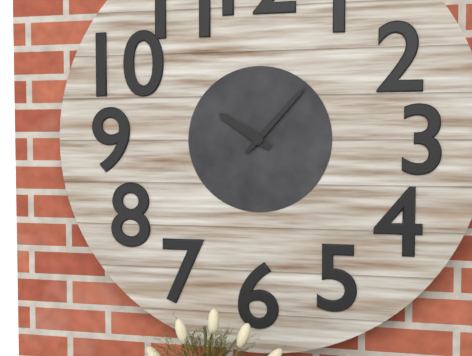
10 h 07 min
